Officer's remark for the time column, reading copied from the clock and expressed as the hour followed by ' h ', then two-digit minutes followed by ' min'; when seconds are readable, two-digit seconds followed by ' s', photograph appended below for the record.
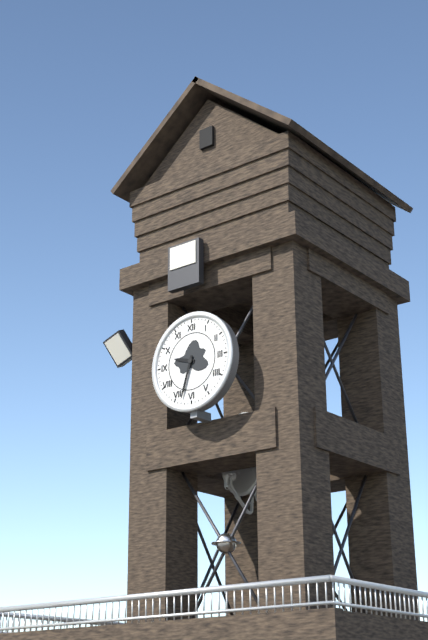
9 h 33 min
